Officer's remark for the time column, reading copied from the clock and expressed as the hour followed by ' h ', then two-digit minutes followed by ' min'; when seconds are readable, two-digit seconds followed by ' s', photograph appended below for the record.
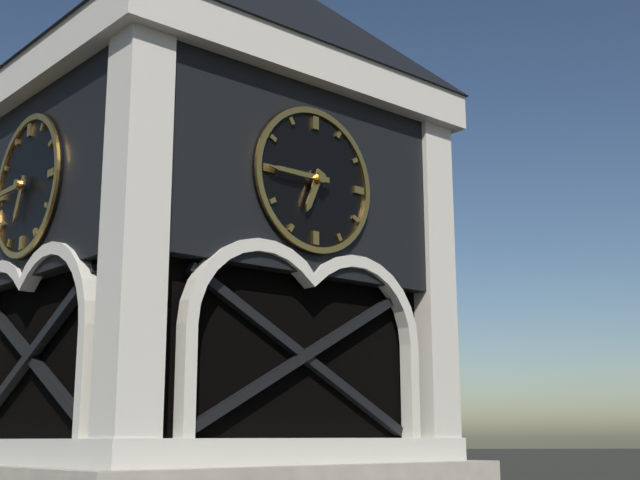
6 h 45 min
